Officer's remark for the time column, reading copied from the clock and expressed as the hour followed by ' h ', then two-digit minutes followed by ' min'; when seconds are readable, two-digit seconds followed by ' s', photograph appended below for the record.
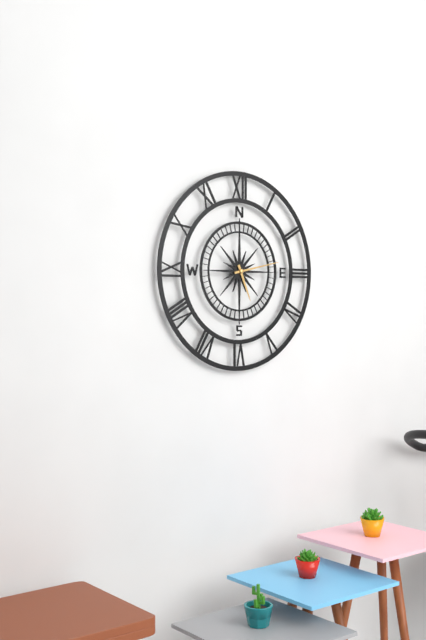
5 h 13 min
